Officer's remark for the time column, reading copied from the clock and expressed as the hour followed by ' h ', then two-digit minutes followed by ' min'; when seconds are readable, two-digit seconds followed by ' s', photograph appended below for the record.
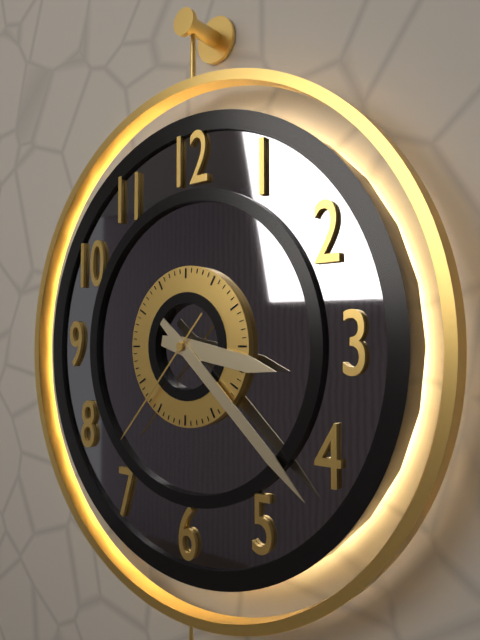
3 h 22 min 37 s
